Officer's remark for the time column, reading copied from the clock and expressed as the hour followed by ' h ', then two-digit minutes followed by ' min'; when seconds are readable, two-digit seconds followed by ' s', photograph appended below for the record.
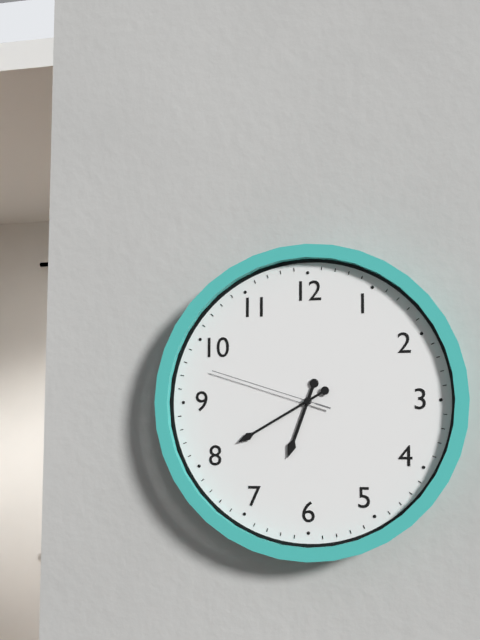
6 h 40 min 48 s
